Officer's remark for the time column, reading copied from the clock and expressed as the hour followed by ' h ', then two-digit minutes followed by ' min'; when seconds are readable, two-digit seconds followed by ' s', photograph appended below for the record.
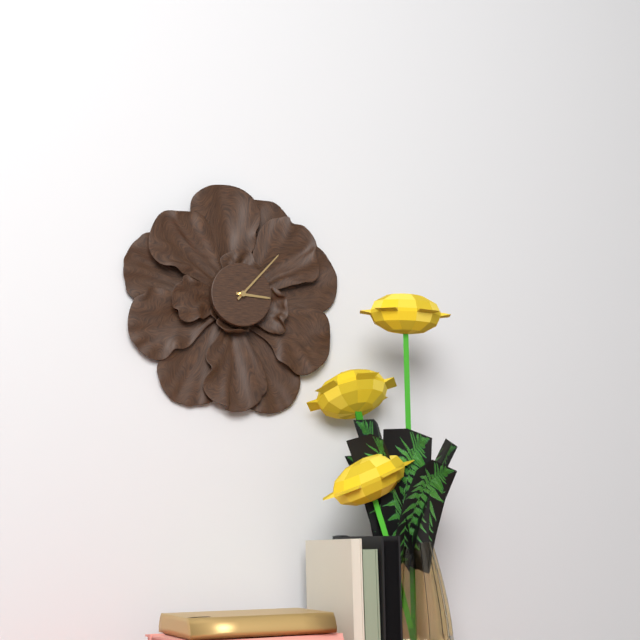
3 h 07 min
